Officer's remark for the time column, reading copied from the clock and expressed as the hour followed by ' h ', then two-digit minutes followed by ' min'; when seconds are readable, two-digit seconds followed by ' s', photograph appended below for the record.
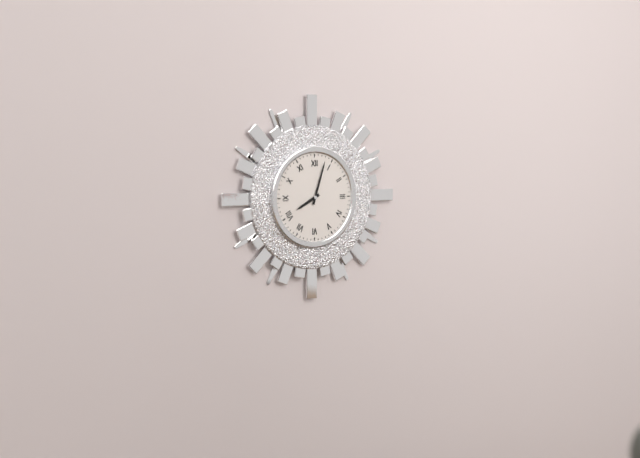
8 h 03 min
